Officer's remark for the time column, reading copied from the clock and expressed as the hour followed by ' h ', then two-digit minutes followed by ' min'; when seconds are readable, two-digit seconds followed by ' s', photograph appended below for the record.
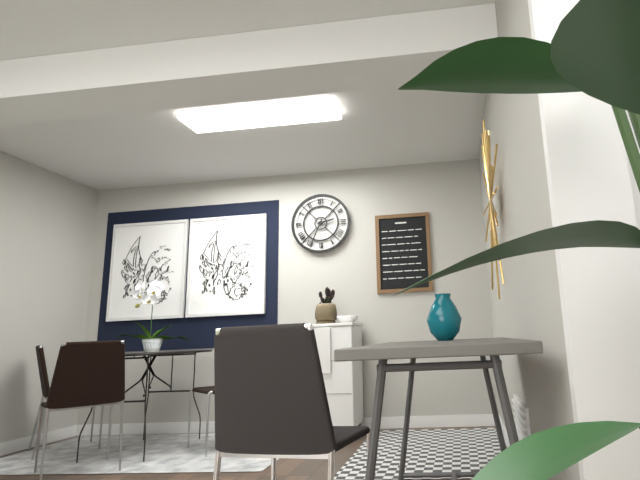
2 h 34 min
